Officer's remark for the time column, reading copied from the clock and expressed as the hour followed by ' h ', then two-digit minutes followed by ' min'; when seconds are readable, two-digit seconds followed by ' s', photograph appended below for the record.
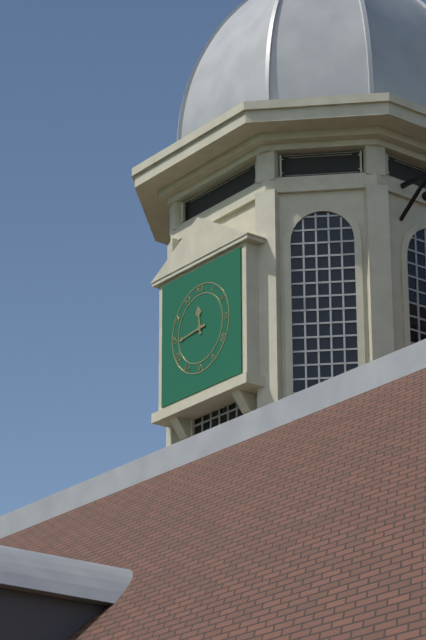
11 h 44 min
